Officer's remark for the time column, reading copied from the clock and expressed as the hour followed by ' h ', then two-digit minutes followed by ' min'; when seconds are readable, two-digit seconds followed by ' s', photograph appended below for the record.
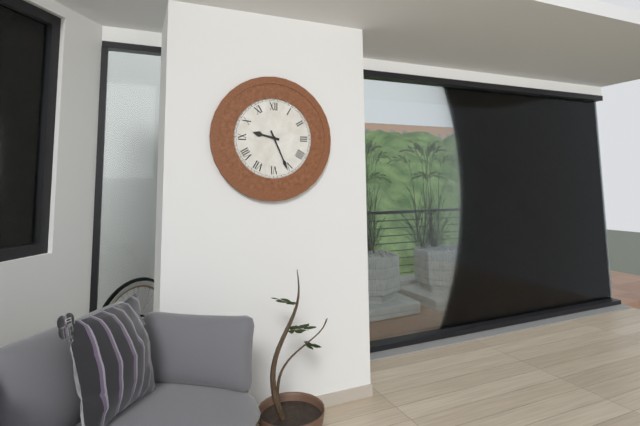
9 h 26 min
